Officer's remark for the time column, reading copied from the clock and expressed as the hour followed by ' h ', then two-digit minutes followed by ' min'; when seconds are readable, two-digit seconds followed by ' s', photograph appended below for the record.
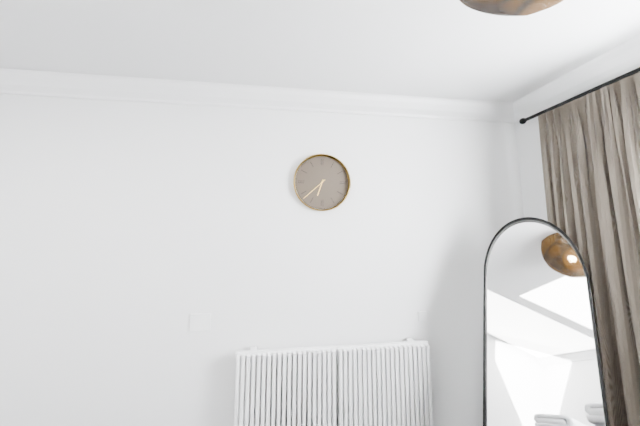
6 h 38 min
